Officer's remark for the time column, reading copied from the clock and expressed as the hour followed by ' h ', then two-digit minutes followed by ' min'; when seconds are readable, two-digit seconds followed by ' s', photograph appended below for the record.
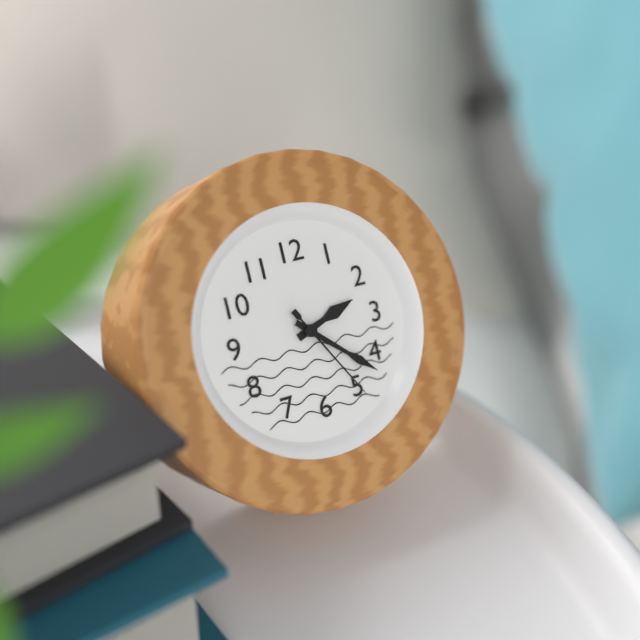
2 h 22 min 25 s
